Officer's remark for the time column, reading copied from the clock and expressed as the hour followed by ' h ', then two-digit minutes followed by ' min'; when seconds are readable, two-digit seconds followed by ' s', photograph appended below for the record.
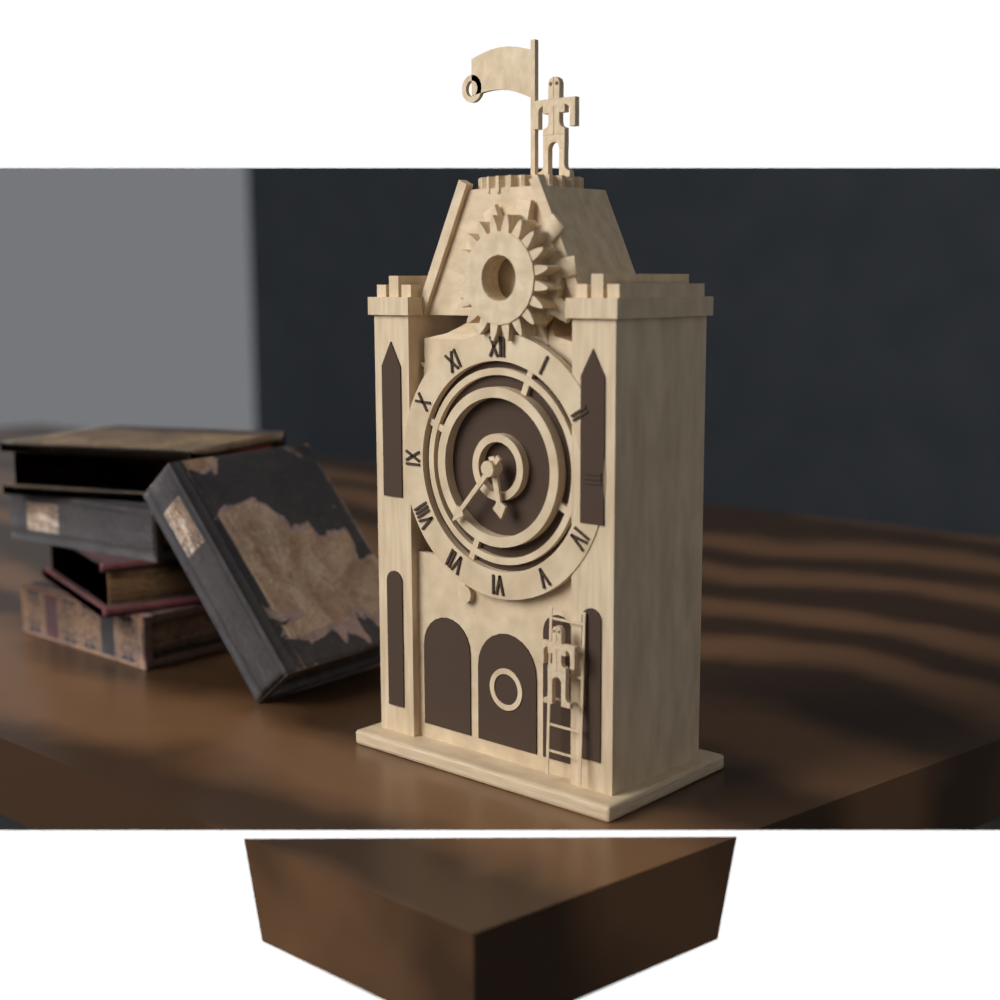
5 h 37 min
